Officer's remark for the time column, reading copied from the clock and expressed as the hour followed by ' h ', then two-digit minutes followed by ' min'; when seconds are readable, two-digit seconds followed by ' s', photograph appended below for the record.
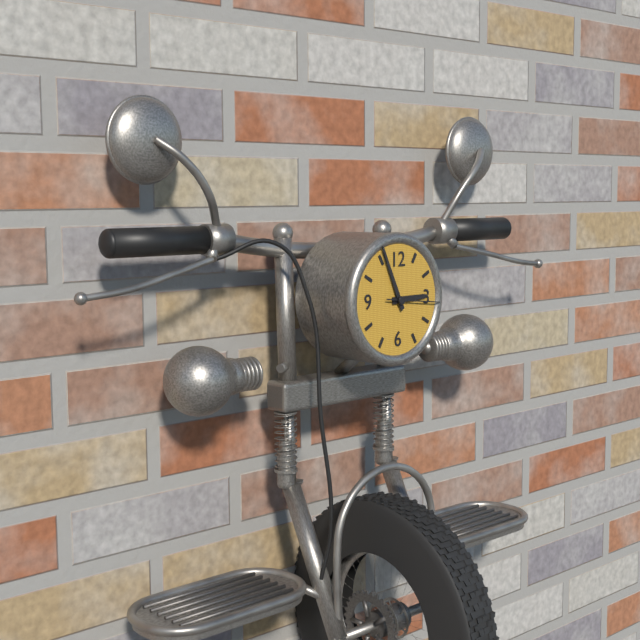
2 h 56 min
